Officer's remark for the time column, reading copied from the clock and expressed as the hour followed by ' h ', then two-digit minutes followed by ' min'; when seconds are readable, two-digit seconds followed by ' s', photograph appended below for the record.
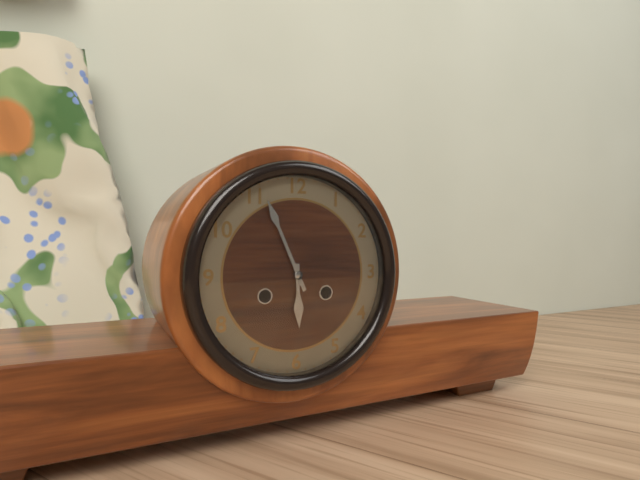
5 h 56 min
